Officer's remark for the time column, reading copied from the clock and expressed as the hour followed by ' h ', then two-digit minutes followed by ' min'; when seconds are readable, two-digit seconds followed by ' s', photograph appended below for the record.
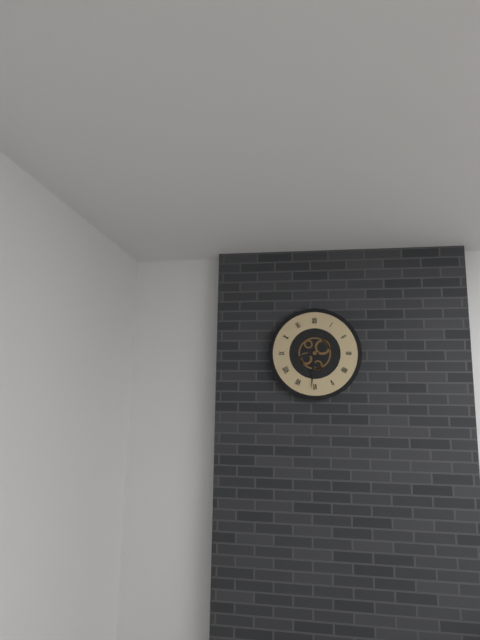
8 h 31 min
